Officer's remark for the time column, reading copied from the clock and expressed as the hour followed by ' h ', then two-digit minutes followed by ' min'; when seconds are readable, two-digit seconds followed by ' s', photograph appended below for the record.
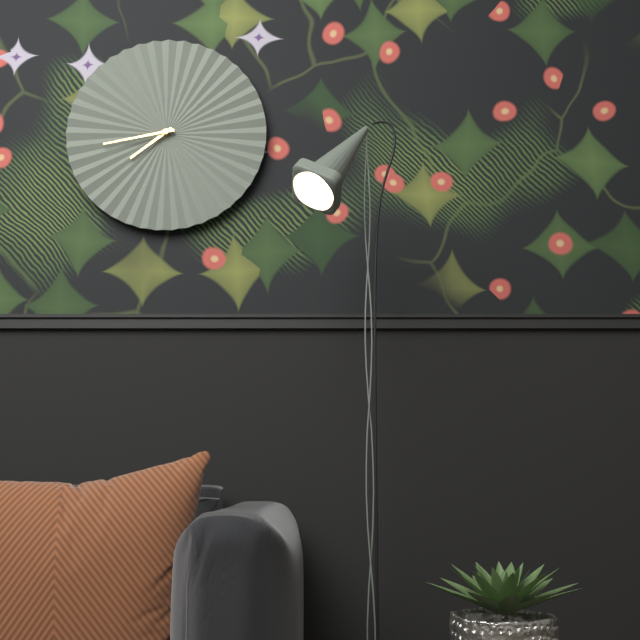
7 h 43 min
